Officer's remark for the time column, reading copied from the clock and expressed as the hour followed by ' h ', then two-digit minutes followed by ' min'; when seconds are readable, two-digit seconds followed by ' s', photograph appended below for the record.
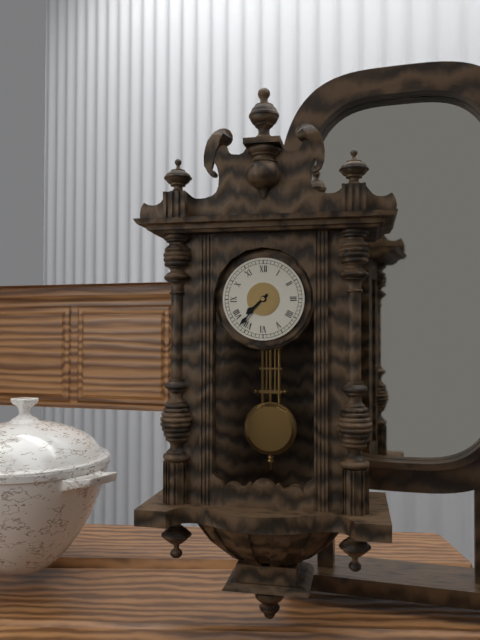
7 h 37 min
